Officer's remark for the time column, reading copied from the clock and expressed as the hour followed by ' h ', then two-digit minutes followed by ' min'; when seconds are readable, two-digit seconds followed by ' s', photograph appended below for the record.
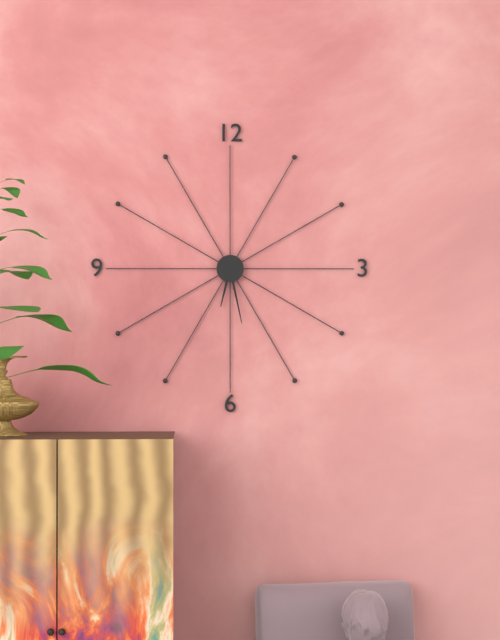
6 h 28 min
